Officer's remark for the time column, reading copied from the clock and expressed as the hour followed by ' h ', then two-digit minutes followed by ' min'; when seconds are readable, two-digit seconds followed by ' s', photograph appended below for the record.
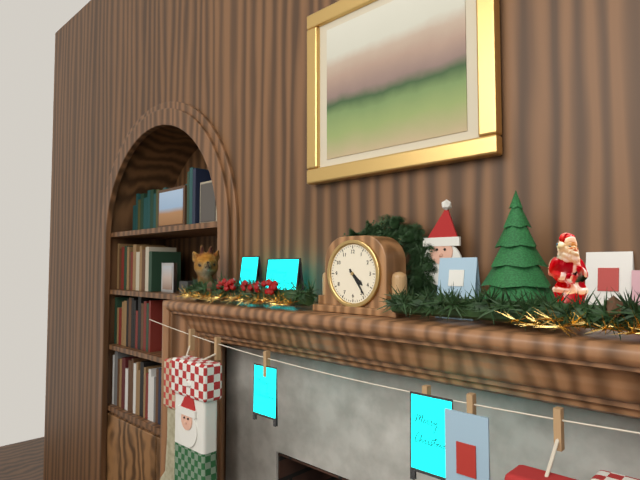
4 h 24 min
